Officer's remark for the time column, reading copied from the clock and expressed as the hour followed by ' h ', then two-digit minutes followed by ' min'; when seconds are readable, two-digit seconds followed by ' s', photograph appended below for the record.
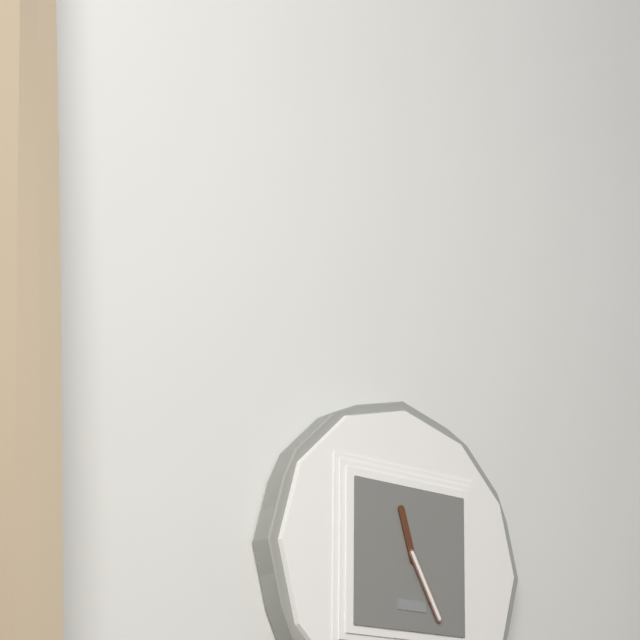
11 h 25 min
